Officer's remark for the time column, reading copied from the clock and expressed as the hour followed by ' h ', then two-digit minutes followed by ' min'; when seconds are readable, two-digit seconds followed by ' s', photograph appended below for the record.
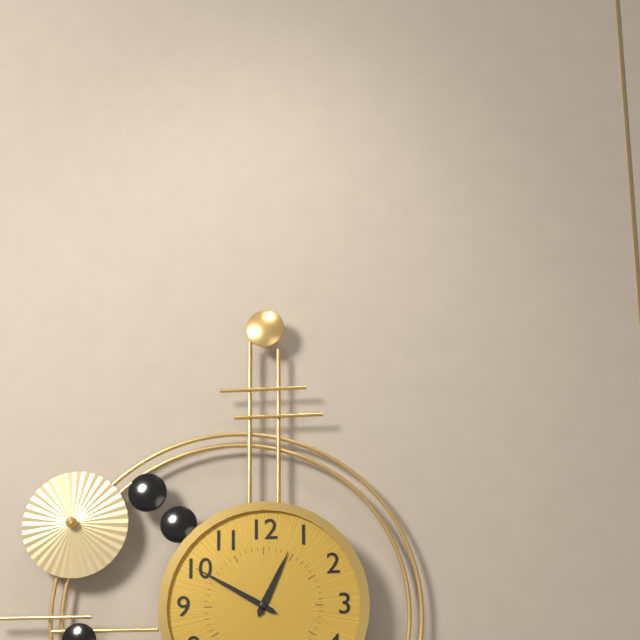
12 h 50 min
